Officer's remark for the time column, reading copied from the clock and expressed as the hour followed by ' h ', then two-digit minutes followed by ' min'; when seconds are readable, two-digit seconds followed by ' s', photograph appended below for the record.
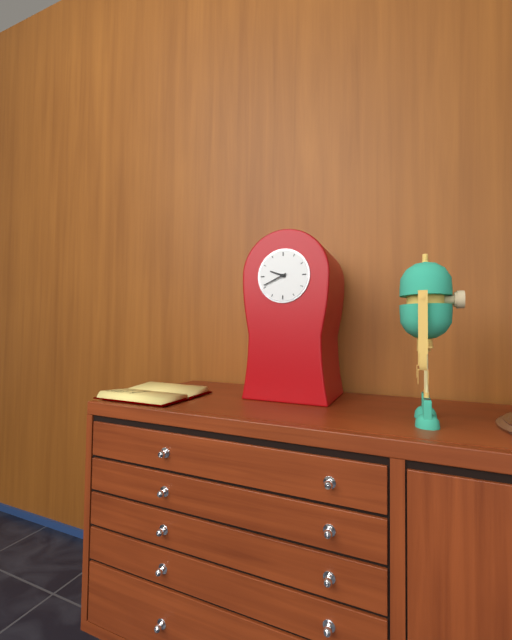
9 h 41 min
